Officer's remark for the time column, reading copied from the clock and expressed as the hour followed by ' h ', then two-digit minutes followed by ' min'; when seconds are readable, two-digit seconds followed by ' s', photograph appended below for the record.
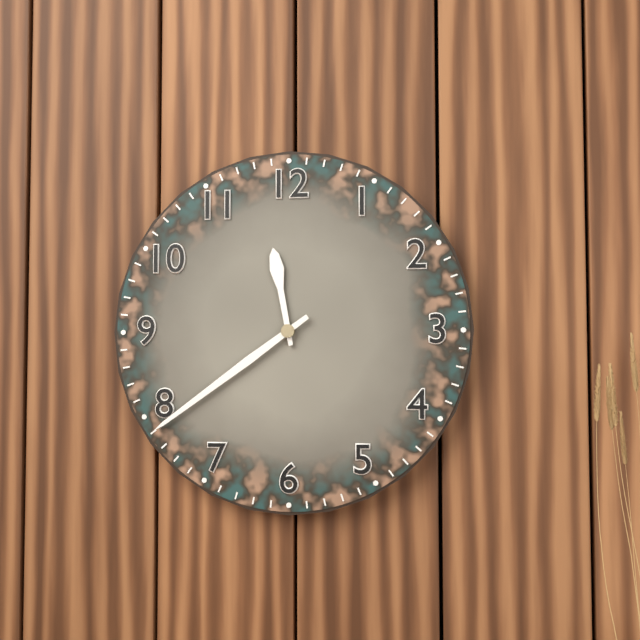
11 h 39 min
